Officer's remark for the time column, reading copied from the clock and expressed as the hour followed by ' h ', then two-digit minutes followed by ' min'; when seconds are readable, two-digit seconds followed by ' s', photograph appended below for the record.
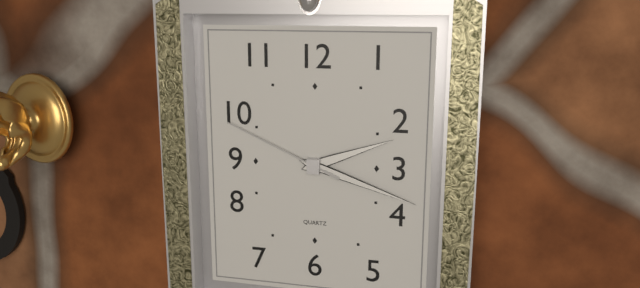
2 h 18 min 49 s
